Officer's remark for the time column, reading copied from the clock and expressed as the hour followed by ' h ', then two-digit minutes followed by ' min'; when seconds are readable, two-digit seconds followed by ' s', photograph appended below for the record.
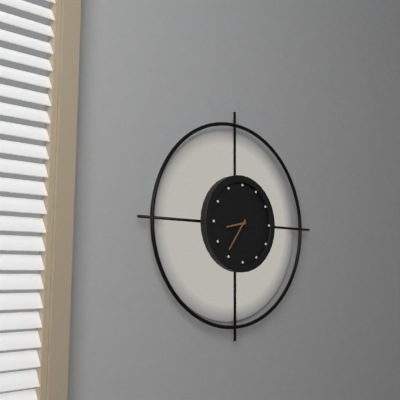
8 h 36 min
